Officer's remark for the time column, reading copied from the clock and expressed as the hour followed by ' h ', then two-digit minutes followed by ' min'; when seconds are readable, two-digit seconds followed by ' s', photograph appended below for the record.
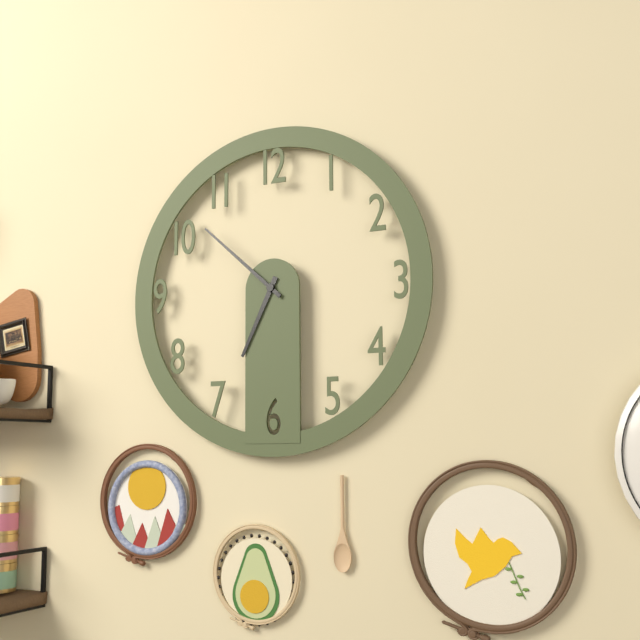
6 h 52 min
